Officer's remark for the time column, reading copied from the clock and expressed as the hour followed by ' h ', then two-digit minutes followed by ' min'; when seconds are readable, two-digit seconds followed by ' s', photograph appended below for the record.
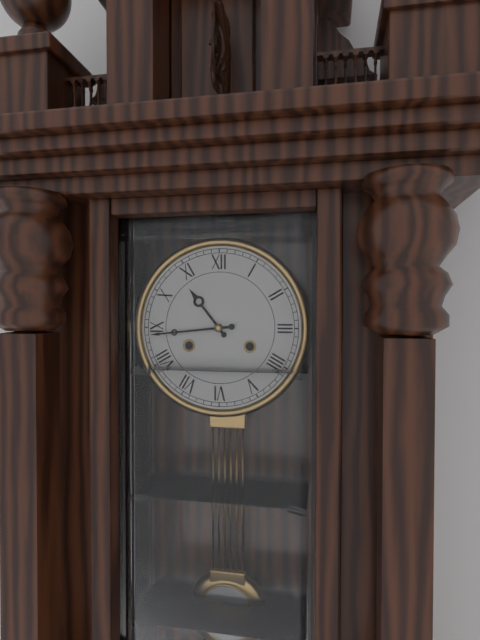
10 h 44 min
